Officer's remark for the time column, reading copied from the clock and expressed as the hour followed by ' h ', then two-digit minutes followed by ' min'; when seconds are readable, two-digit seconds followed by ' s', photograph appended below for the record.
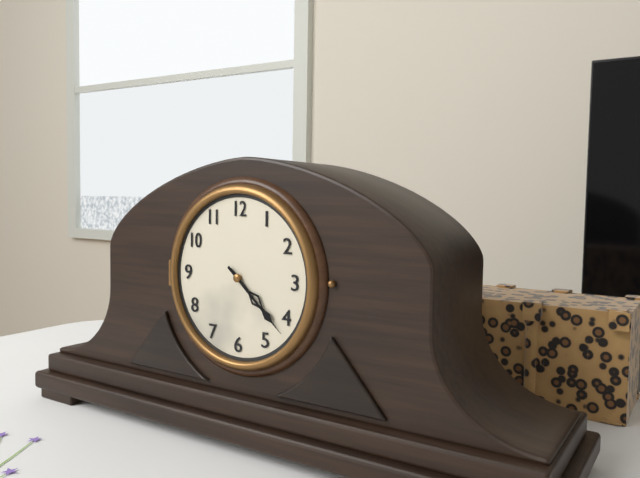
4 h 22 min
